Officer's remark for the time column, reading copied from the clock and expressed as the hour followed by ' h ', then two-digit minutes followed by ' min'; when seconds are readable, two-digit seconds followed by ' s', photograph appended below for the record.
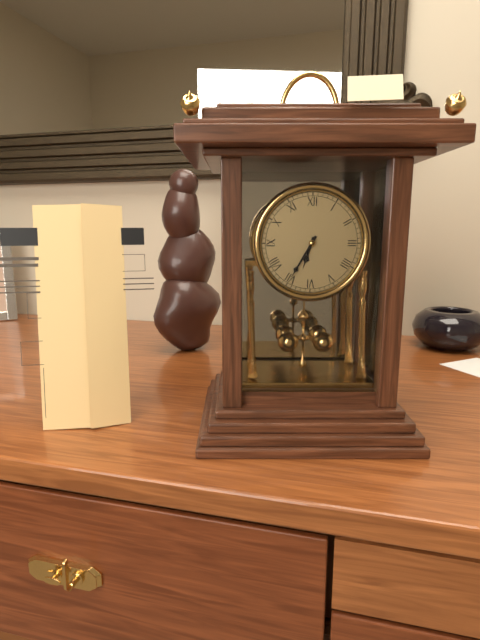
6 h 35 min
